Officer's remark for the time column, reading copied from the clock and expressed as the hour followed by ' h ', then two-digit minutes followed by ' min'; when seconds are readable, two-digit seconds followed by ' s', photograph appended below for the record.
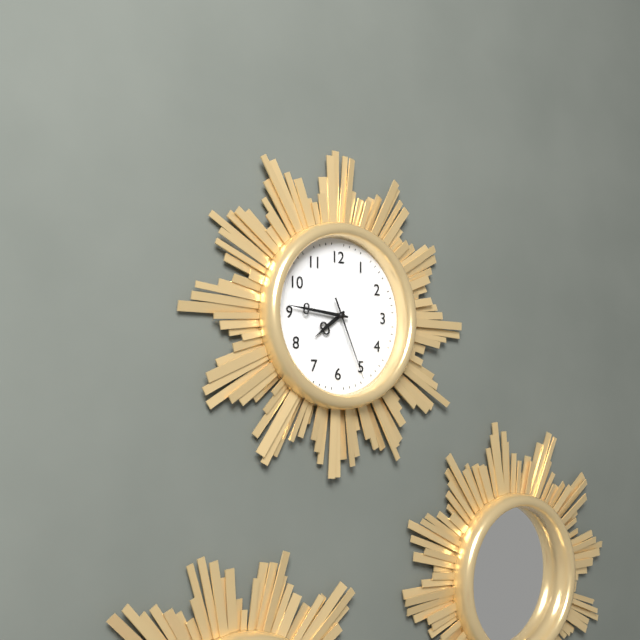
7 h 46 min 26 s
